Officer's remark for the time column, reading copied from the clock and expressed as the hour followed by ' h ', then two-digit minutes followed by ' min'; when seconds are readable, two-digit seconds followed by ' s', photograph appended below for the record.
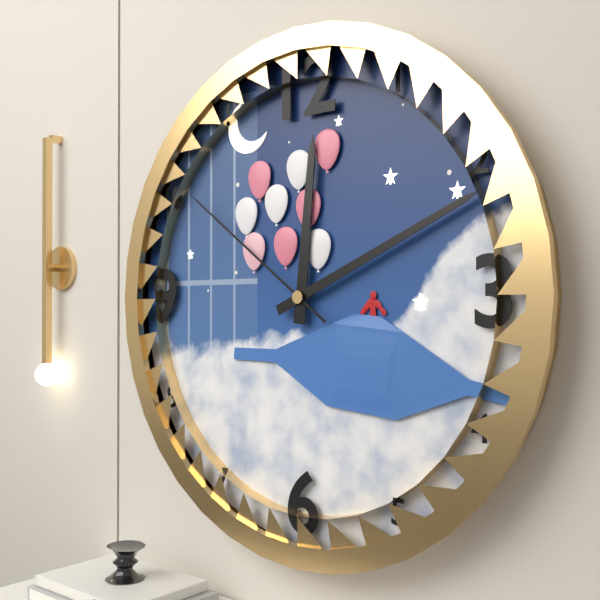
12 h 11 min 51 s
